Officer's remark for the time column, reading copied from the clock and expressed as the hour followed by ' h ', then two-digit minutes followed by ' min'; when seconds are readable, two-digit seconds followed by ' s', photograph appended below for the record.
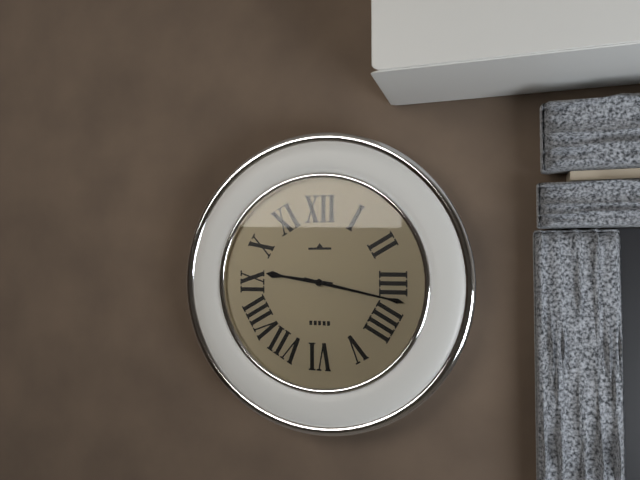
9 h 17 min
